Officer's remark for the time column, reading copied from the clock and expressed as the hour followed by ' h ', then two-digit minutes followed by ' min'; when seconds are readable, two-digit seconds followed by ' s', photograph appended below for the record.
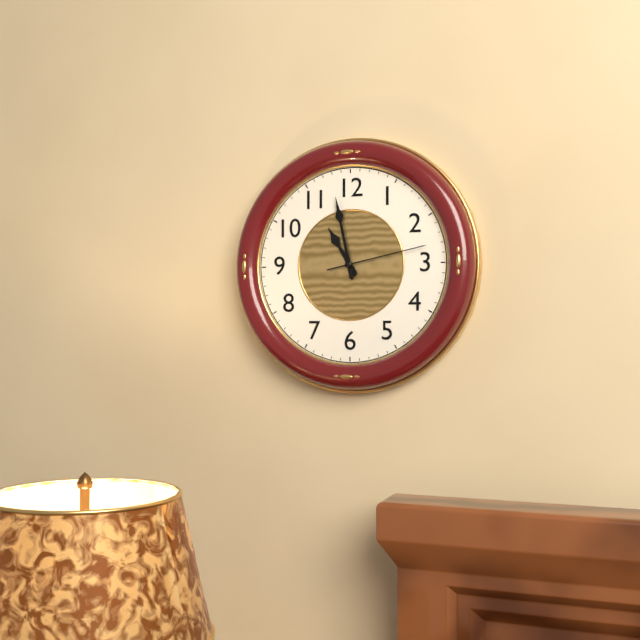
10 h 58 min 13 s
